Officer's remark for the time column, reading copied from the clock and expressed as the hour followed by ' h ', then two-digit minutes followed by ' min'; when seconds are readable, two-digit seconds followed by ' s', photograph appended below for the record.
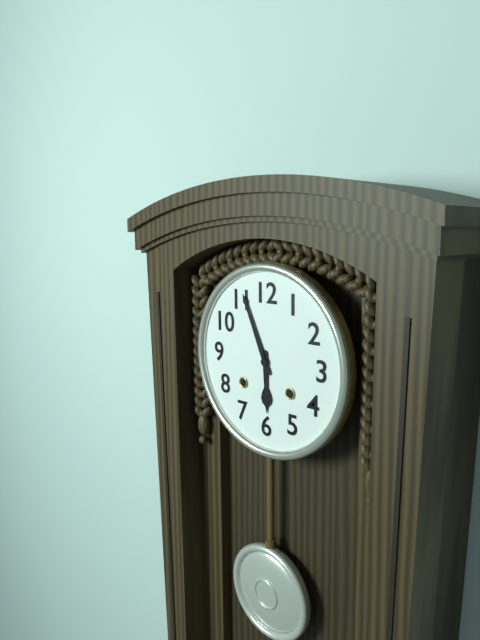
5 h 56 min
